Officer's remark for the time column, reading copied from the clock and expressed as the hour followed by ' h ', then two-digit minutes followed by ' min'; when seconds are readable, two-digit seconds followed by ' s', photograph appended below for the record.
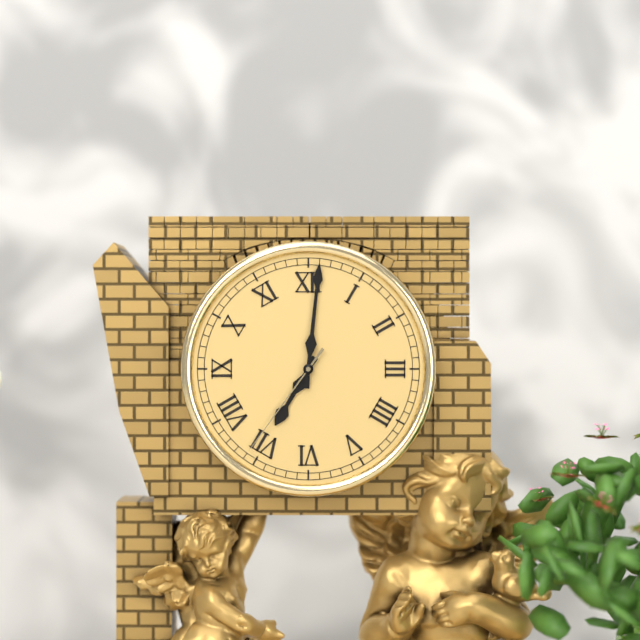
7 h 01 min 36 s
